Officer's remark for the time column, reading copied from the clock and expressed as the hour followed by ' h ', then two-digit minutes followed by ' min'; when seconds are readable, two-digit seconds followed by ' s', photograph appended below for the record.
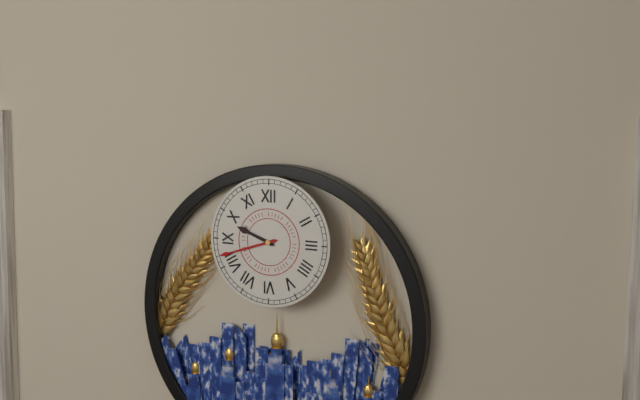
9 h 42 min
